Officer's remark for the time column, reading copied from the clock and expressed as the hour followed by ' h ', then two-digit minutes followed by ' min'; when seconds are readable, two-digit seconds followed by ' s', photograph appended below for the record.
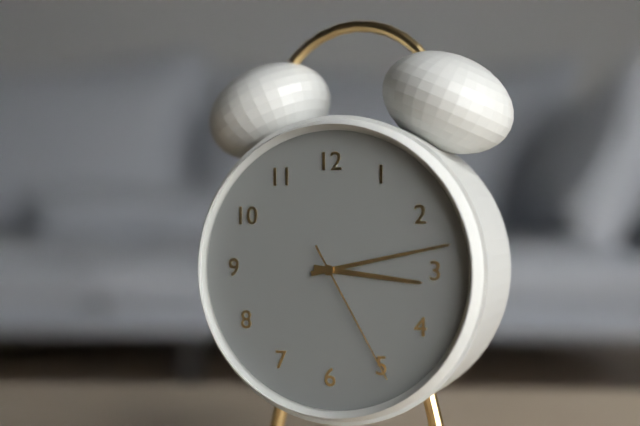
3 h 13 min 25 s
